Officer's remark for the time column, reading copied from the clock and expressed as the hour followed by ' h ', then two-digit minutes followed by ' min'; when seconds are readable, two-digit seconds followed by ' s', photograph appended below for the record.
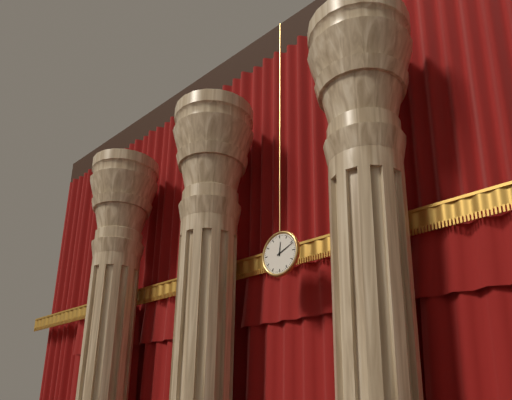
12 h 11 min
